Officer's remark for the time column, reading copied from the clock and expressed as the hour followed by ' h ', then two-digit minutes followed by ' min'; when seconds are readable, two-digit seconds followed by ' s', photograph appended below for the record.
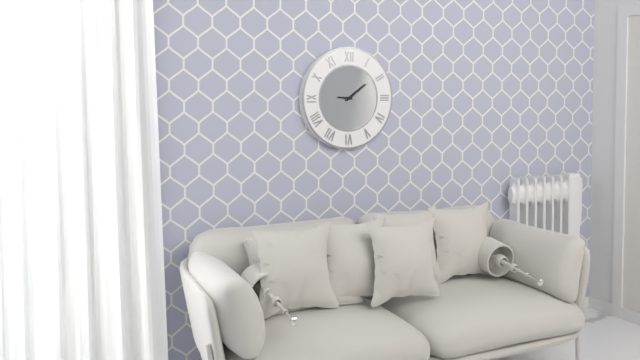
9 h 09 min
